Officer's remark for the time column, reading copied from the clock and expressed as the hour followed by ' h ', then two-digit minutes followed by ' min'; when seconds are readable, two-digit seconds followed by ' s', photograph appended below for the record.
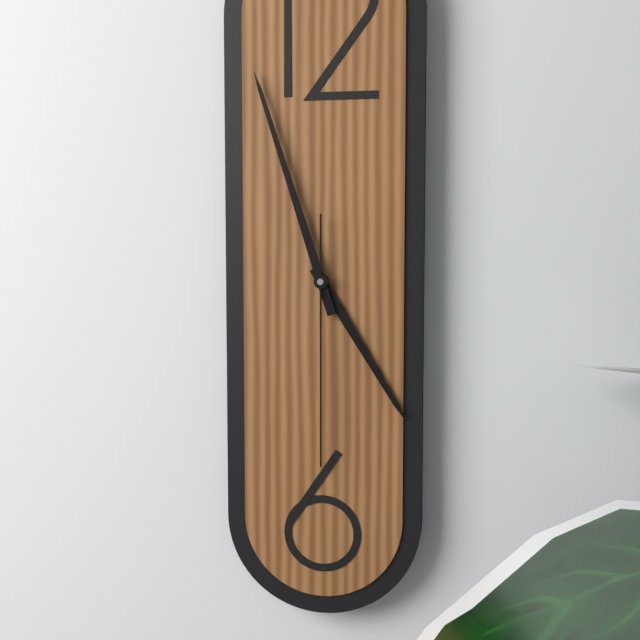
4 h 57 min 30 s
